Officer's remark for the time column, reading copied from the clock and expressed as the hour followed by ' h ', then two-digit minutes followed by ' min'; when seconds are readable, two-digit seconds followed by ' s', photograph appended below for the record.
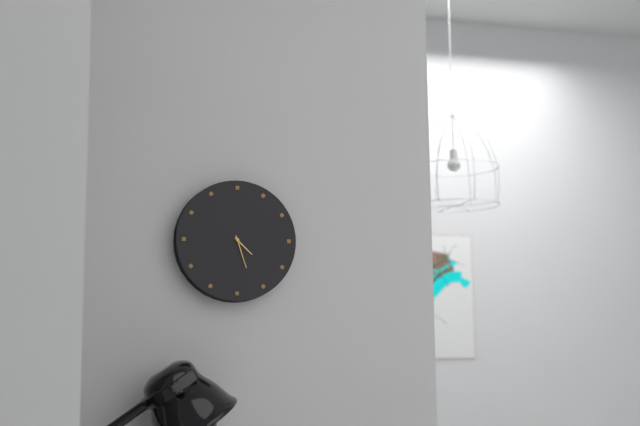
4 h 27 min
